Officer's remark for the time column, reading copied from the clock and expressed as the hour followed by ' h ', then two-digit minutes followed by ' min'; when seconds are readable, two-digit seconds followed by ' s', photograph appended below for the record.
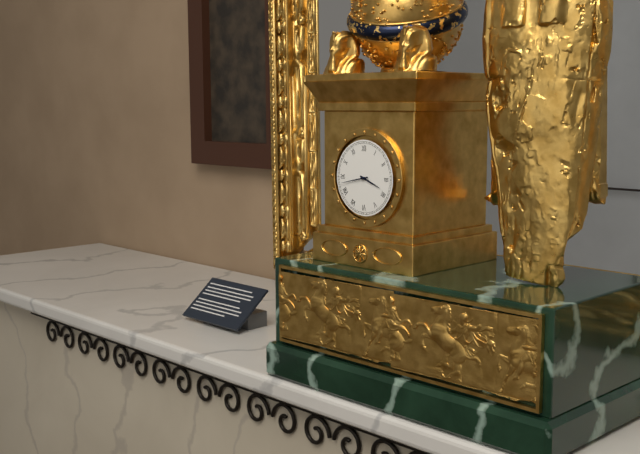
3 h 43 min
